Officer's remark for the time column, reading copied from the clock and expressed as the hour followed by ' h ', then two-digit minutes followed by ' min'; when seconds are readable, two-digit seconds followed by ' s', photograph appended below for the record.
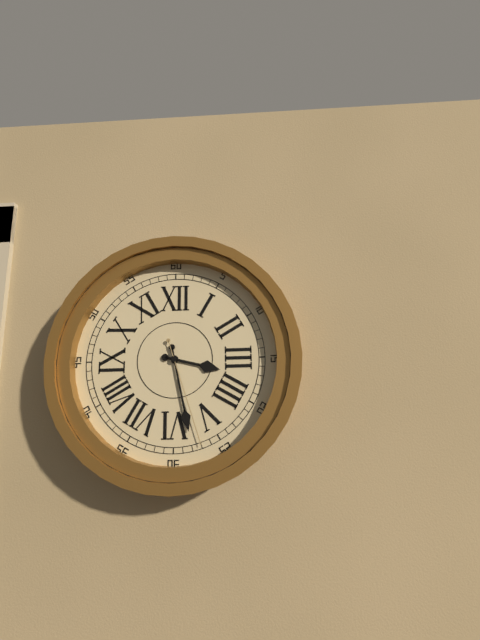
3 h 28 min 27 s
